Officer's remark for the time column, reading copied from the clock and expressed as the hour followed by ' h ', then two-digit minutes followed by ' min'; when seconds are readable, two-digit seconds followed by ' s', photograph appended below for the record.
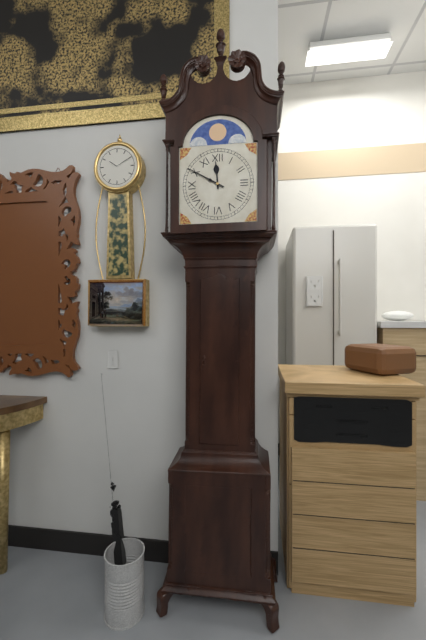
11 h 50 min
